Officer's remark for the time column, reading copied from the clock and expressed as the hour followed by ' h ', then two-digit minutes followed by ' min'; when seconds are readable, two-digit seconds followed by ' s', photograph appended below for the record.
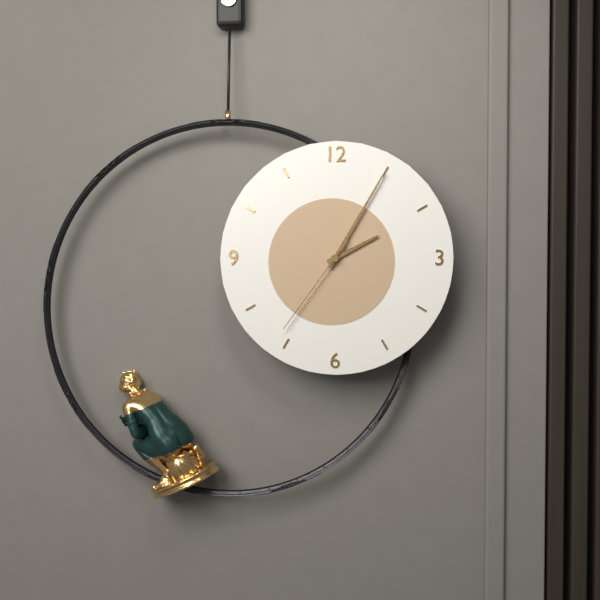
2 h 05 min 36 s
